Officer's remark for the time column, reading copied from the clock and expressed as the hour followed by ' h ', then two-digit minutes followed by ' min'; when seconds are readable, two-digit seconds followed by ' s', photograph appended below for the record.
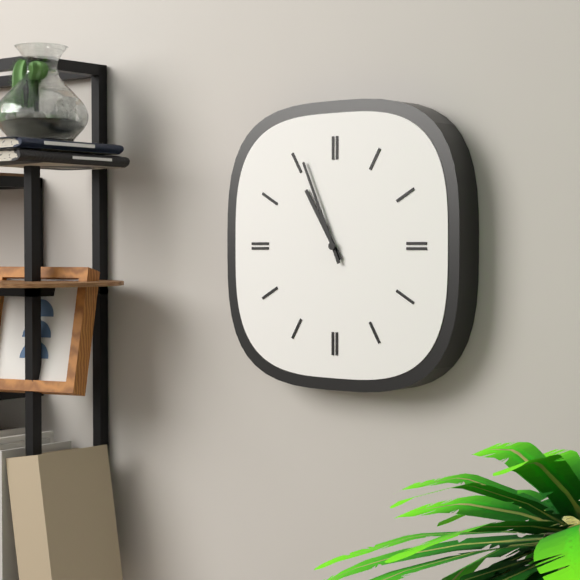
10 h 56 min
